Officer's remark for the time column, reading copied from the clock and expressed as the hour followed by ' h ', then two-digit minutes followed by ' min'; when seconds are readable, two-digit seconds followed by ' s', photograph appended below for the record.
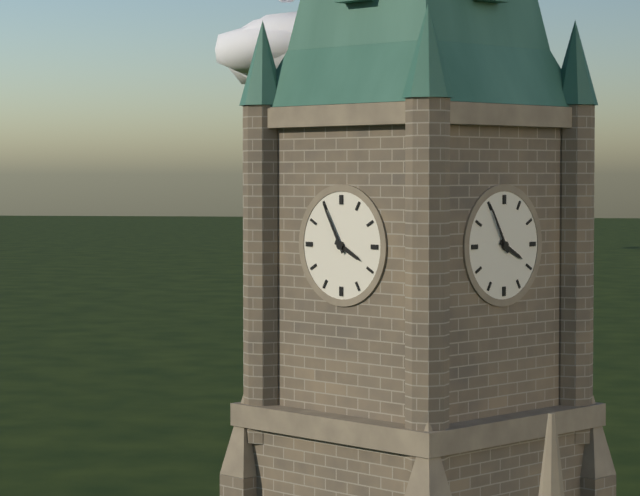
3 h 55 min
